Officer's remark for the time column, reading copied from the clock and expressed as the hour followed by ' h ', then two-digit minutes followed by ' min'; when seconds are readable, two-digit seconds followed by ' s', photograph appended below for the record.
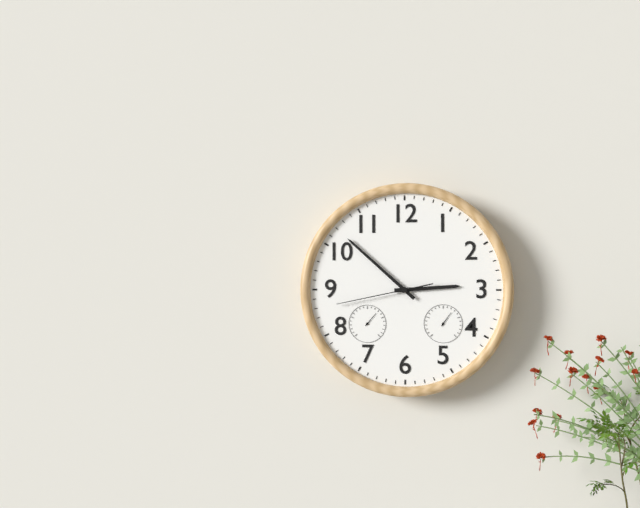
2 h 52 min 43 s
